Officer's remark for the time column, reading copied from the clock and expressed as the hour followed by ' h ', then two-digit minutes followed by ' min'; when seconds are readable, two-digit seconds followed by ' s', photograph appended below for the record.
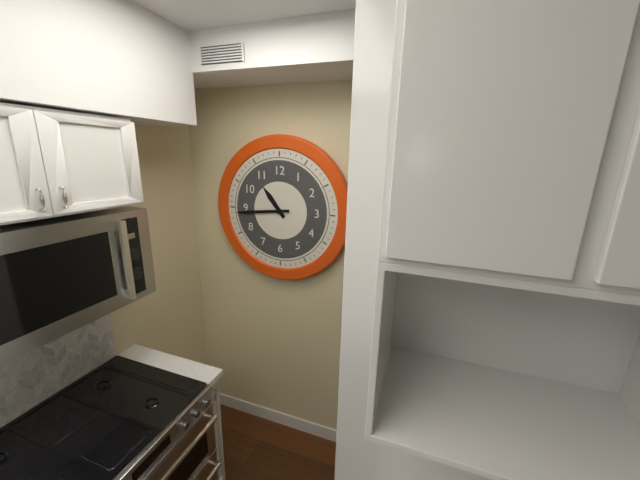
10 h 44 min
